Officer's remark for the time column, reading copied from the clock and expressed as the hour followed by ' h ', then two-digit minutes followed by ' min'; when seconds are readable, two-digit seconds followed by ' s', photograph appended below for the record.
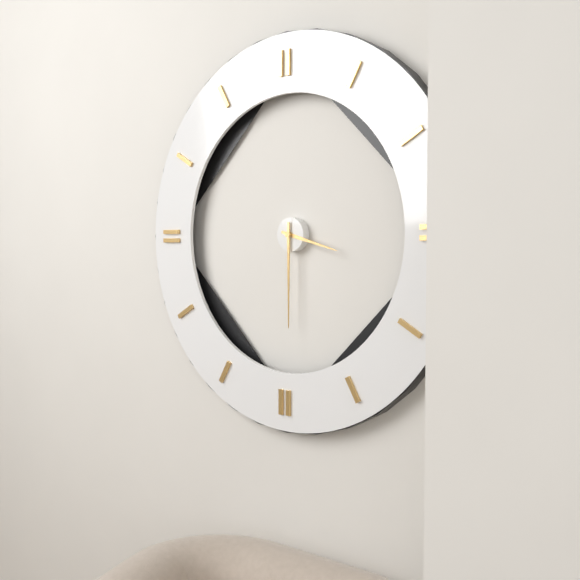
3 h 30 min
